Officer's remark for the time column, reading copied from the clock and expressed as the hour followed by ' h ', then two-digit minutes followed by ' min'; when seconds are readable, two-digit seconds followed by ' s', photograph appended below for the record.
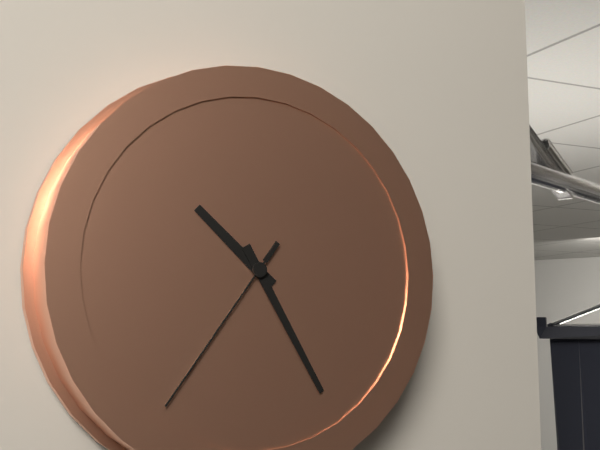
10 h 25 min 36 s
